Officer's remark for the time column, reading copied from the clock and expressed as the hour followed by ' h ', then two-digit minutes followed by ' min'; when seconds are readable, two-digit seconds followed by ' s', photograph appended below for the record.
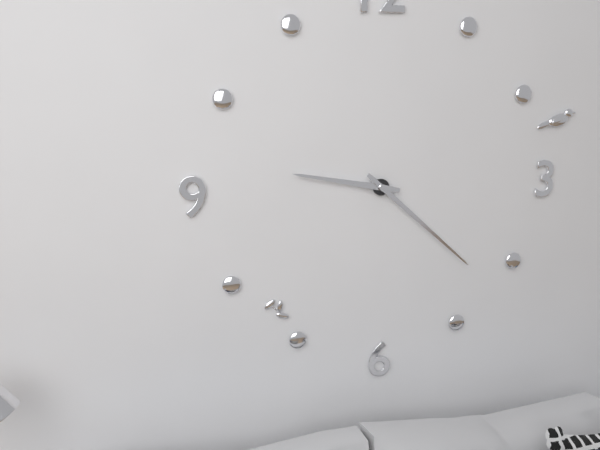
9 h 22 min
